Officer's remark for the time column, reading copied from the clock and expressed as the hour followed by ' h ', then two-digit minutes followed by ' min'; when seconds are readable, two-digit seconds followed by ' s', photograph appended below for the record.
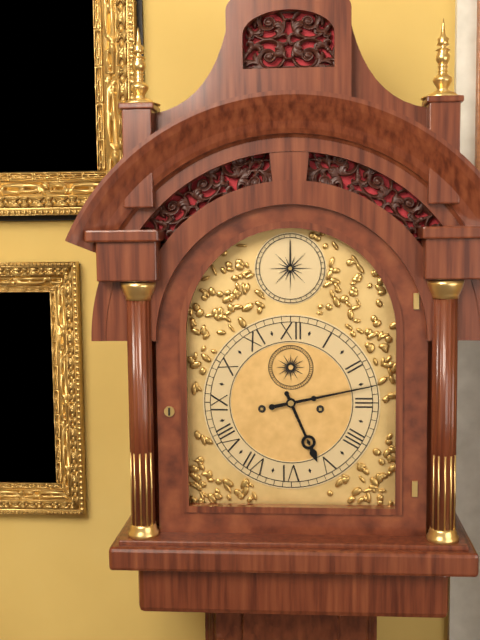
5 h 13 min
